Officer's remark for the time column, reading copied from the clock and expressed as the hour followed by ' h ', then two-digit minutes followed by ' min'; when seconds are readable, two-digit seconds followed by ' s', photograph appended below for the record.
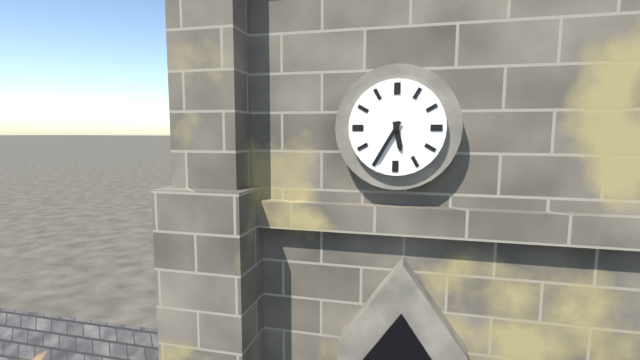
5 h 35 min
